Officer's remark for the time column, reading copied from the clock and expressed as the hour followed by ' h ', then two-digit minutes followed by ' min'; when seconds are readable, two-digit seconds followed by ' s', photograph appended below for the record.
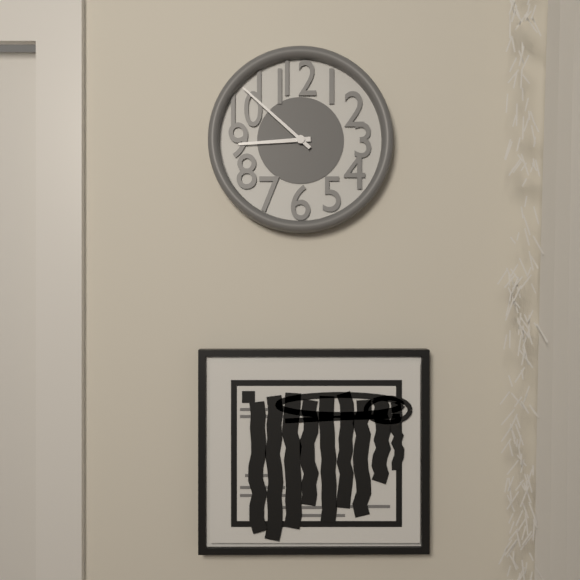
8 h 52 min
